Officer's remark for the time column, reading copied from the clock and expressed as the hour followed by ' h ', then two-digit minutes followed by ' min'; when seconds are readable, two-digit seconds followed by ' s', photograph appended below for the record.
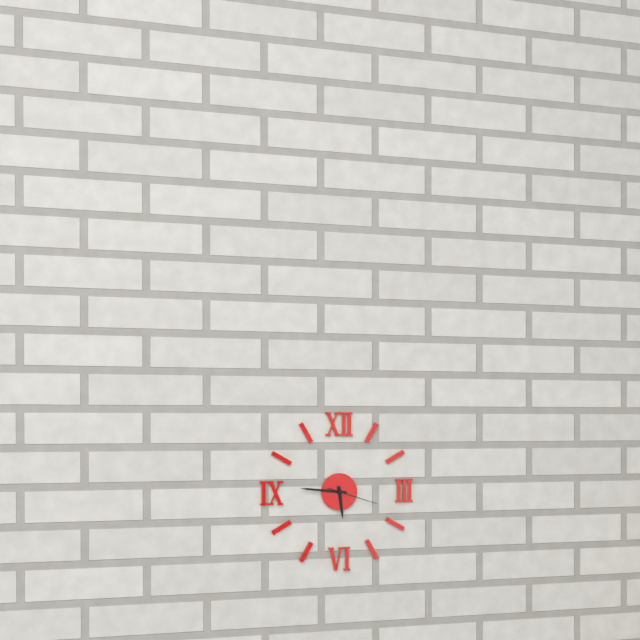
5 h 46 min 18 s
